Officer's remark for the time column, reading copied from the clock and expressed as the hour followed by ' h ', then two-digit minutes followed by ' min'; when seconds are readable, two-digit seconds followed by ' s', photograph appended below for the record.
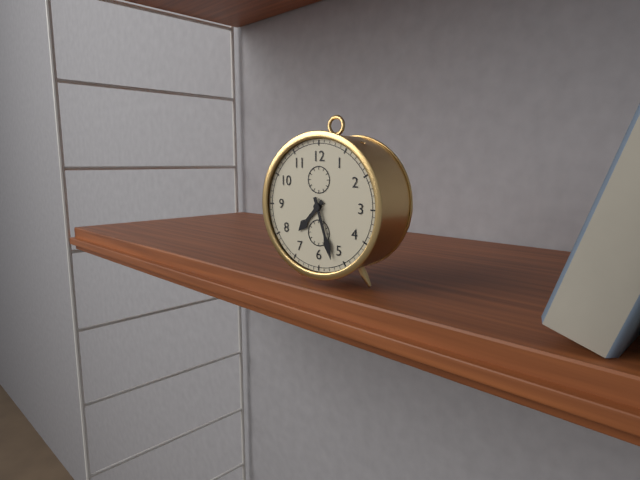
7 h 27 min
